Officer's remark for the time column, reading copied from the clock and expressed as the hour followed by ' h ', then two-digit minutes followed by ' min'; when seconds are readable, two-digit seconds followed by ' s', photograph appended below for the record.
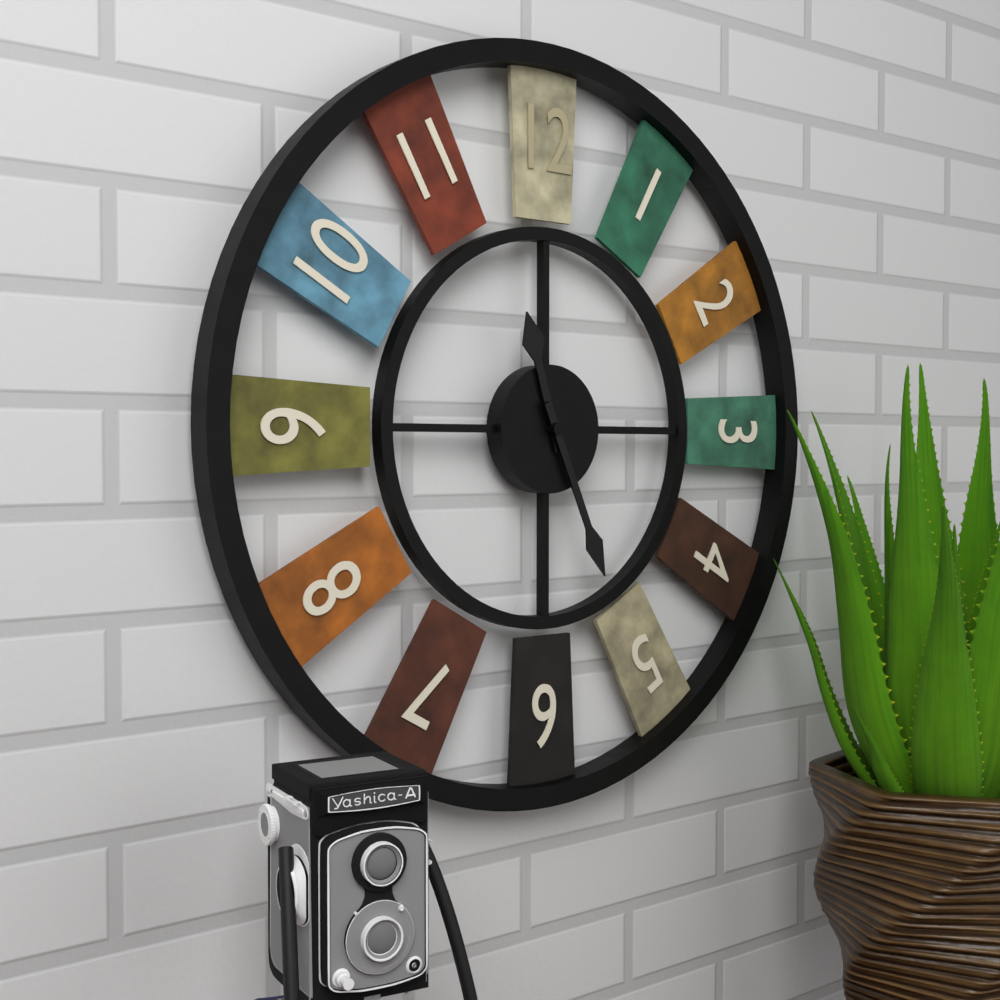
11 h 26 min
